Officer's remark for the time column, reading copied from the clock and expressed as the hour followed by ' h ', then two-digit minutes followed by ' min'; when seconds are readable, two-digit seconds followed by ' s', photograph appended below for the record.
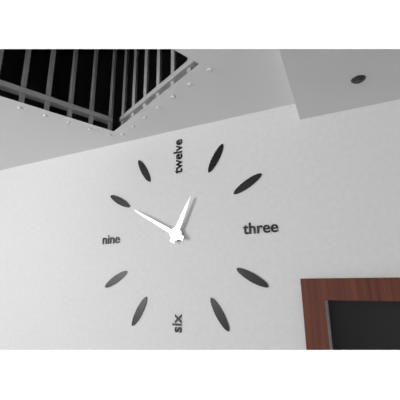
12 h 50 min
